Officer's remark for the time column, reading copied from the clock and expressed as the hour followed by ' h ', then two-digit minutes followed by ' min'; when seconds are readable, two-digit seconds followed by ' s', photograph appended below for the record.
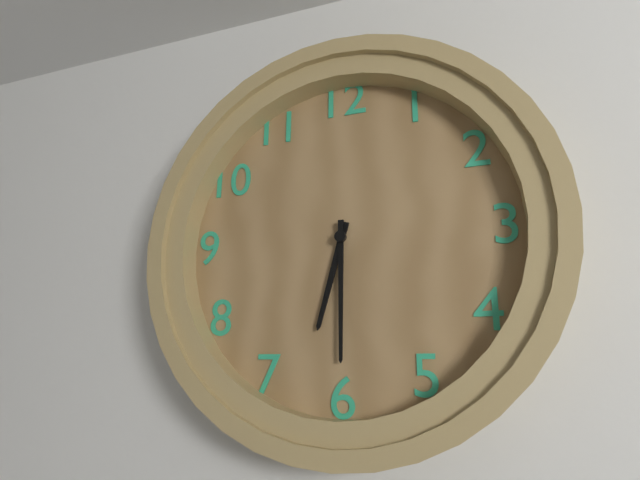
6 h 30 min
